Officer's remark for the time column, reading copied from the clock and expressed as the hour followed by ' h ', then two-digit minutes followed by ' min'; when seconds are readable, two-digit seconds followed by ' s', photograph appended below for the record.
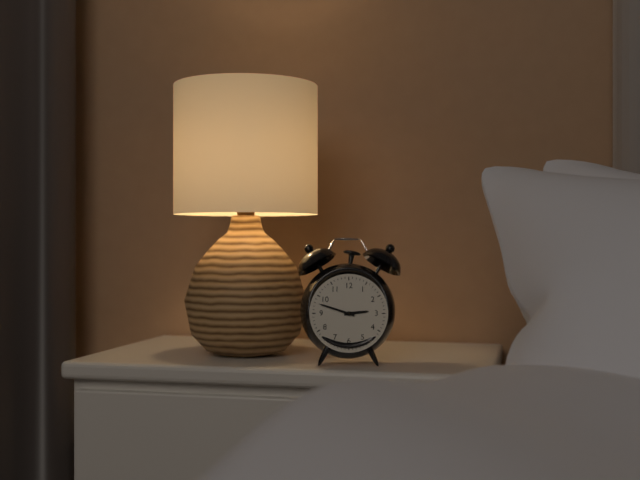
2 h 48 min
